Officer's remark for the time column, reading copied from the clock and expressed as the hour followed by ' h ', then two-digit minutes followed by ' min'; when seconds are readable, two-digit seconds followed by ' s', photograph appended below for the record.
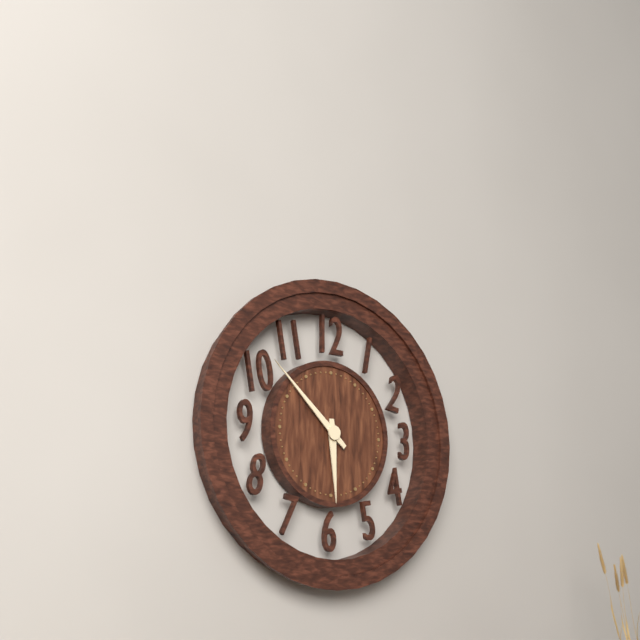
5 h 52 min
